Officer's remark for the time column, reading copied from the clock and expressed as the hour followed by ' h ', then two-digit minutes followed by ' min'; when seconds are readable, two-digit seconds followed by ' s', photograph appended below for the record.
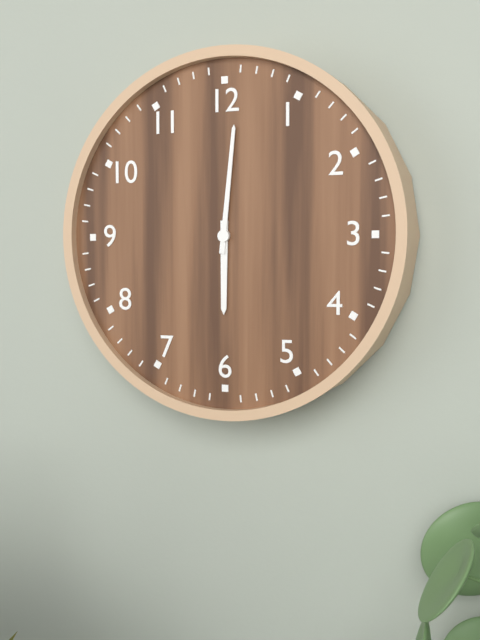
6 h 01 min
